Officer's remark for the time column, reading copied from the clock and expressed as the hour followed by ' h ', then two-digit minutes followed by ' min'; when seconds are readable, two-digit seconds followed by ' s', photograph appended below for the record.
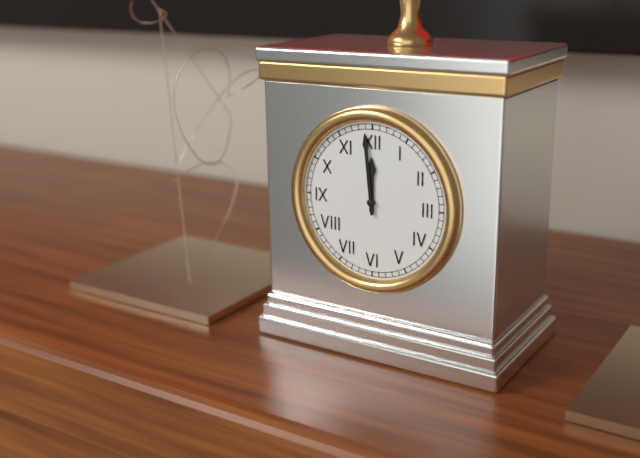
11 h 59 min
